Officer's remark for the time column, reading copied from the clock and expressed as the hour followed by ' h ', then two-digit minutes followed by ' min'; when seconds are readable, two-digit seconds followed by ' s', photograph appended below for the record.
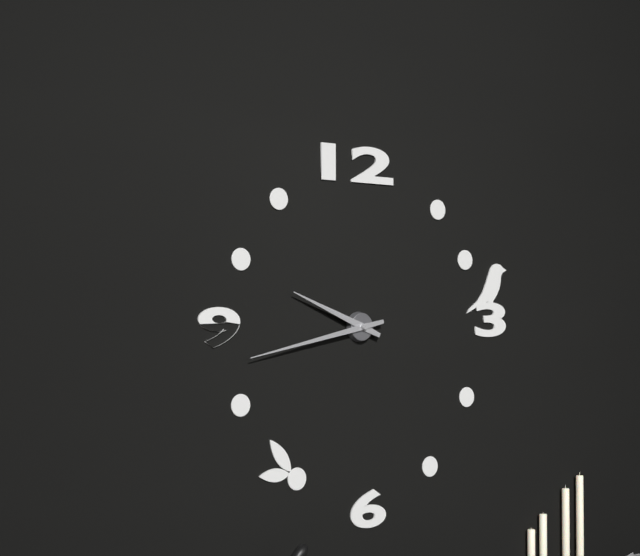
9 h 43 min
